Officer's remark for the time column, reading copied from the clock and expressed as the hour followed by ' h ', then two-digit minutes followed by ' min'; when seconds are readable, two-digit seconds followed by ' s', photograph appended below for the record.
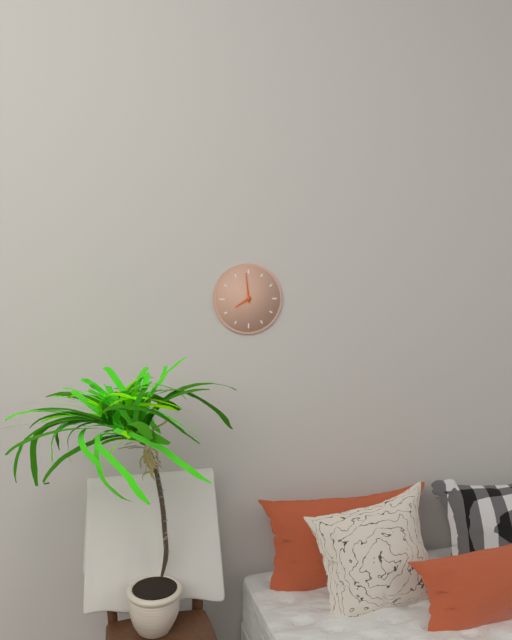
7 h 59 min
